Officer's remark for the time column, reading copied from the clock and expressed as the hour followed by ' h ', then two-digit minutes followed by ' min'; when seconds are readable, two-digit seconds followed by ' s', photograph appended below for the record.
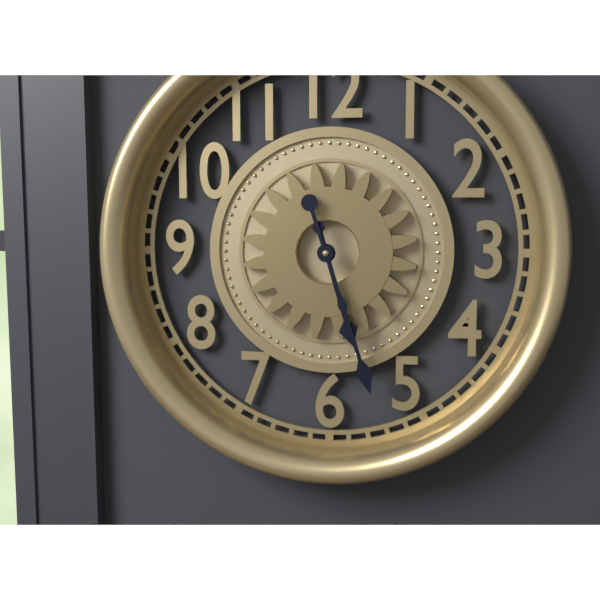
5 h 27 min
